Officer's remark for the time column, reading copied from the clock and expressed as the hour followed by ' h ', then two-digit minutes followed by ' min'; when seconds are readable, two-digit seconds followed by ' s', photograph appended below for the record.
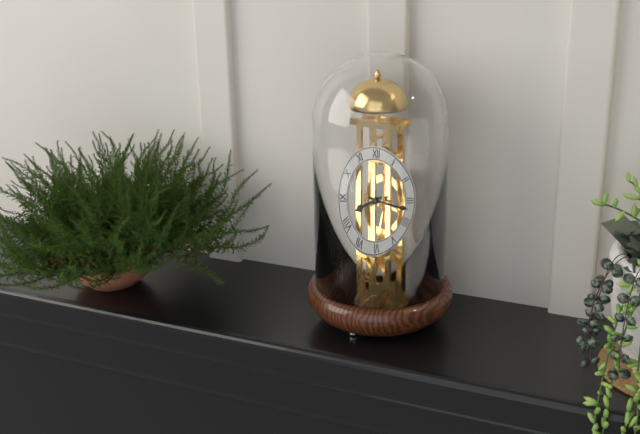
8 h 17 min
